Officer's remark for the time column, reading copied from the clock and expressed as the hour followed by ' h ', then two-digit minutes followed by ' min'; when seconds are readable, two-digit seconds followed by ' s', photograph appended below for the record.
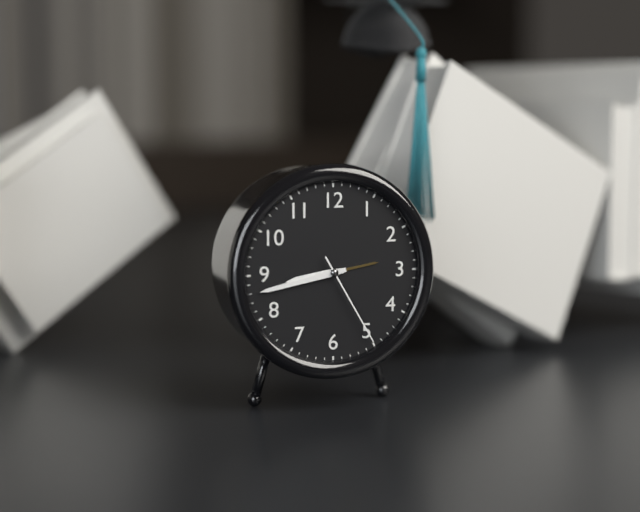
8 h 43 min 25 s
